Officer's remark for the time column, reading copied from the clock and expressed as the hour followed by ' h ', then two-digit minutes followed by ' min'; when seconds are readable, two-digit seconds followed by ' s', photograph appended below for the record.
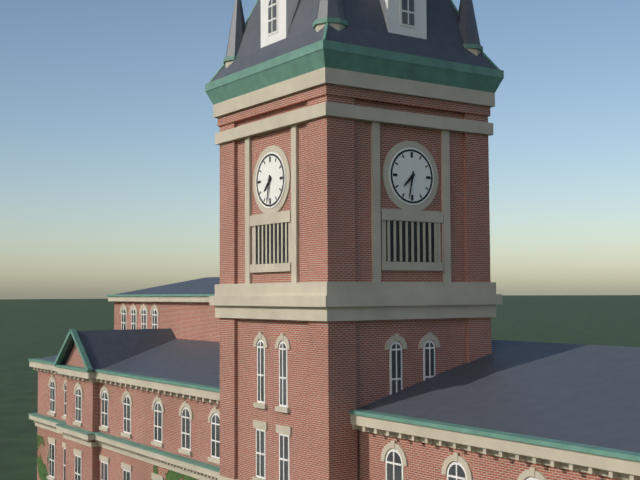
7 h 32 min
